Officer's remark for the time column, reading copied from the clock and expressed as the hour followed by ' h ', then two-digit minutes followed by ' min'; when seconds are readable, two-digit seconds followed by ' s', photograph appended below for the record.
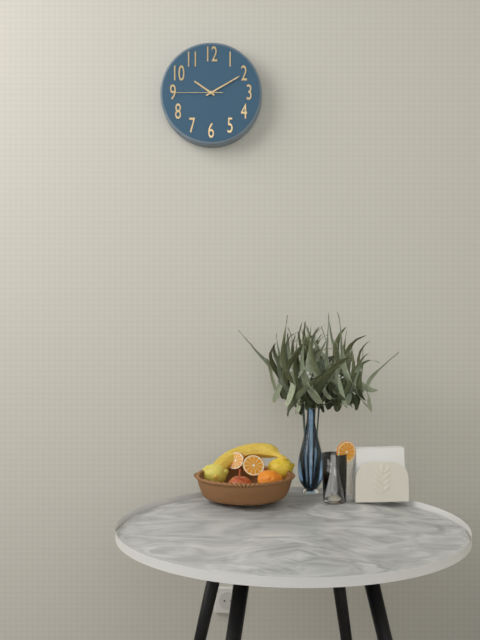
10 h 10 min 45 s
